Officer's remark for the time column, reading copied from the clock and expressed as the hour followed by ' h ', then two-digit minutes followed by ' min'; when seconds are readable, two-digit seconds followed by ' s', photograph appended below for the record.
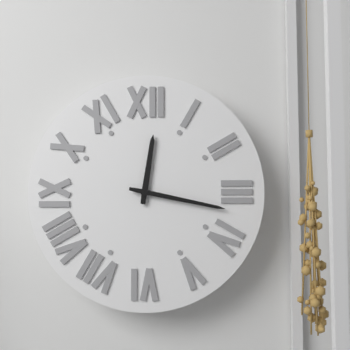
12 h 17 min
